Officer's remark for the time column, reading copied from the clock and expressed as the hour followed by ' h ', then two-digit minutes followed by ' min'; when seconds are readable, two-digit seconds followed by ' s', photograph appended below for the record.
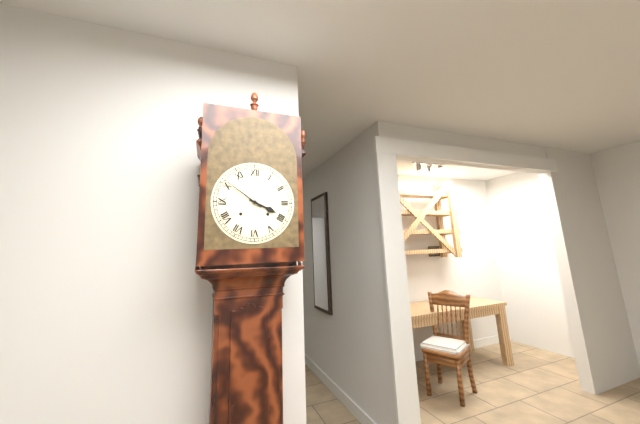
3 h 51 min
